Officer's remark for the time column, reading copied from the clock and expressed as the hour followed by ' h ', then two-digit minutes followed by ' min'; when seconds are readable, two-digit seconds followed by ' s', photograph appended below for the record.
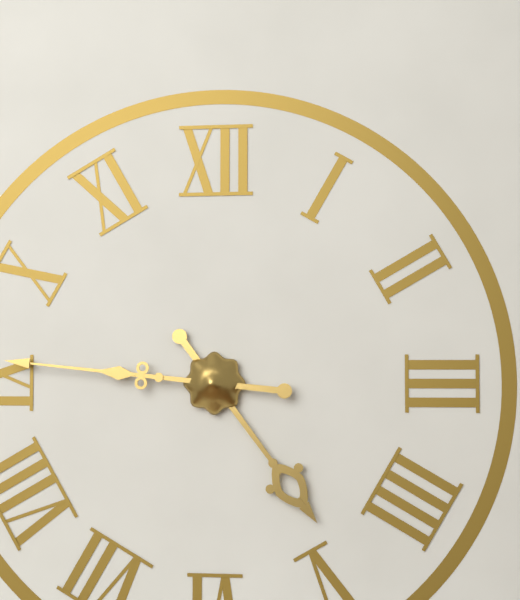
4 h 46 min
